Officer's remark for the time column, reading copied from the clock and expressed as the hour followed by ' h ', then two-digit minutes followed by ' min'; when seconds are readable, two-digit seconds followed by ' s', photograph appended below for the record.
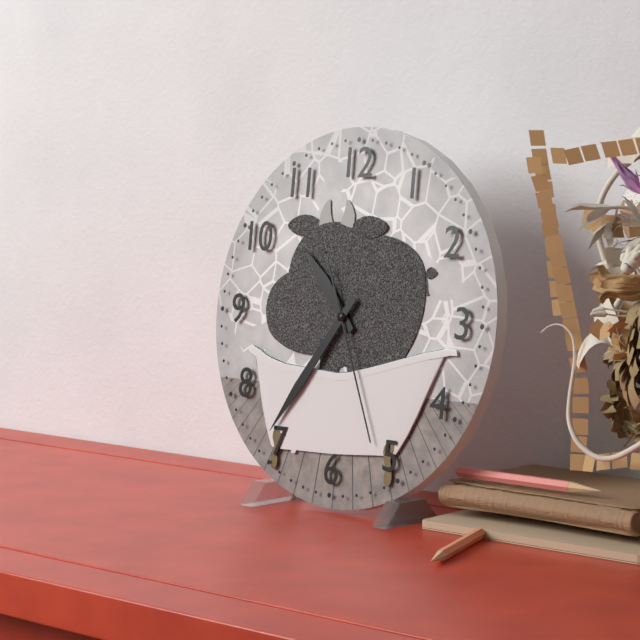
10 h 36 min 26 s
